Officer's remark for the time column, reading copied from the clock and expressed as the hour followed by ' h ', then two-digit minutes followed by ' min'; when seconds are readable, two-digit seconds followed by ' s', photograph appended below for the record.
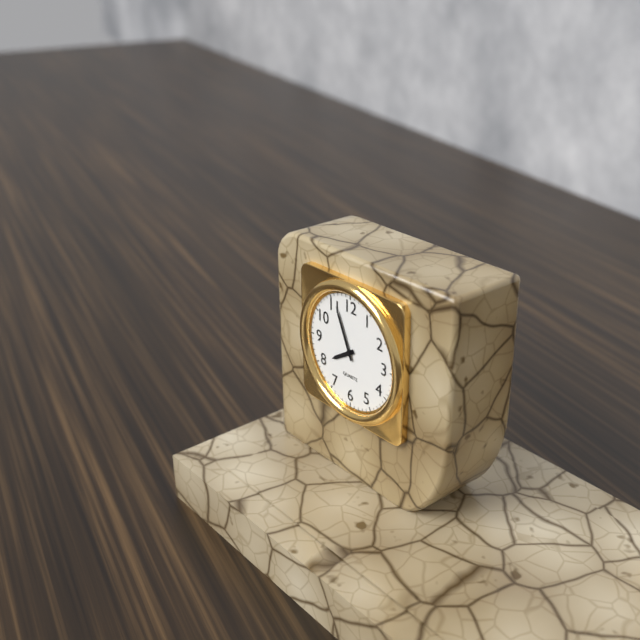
7 h 56 min
